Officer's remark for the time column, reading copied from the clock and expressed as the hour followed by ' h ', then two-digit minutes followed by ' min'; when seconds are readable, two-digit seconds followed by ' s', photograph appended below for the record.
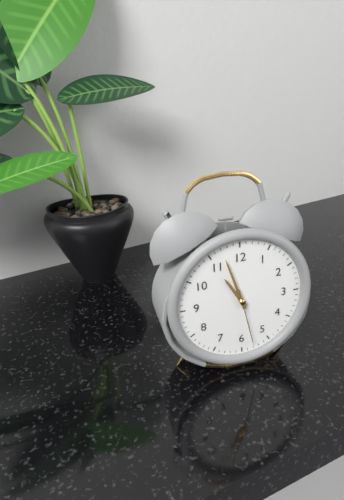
10 h 57 min 28 s
